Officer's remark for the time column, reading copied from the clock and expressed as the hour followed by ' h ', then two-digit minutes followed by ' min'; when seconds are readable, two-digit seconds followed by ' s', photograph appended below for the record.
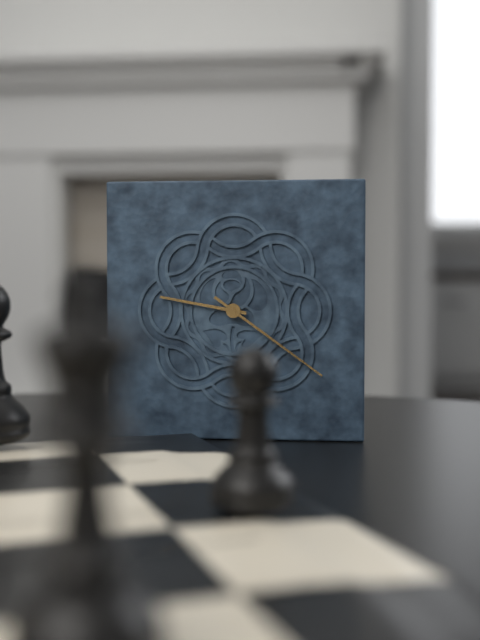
9 h 21 min
